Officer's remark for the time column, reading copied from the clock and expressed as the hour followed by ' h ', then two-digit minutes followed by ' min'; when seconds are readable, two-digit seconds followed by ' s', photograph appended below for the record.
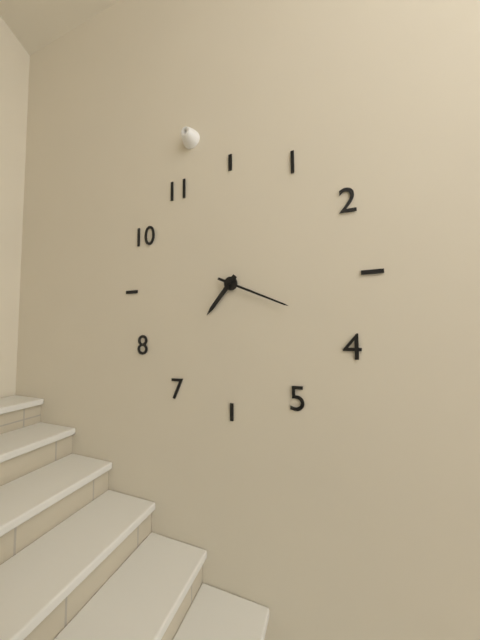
7 h 19 min
